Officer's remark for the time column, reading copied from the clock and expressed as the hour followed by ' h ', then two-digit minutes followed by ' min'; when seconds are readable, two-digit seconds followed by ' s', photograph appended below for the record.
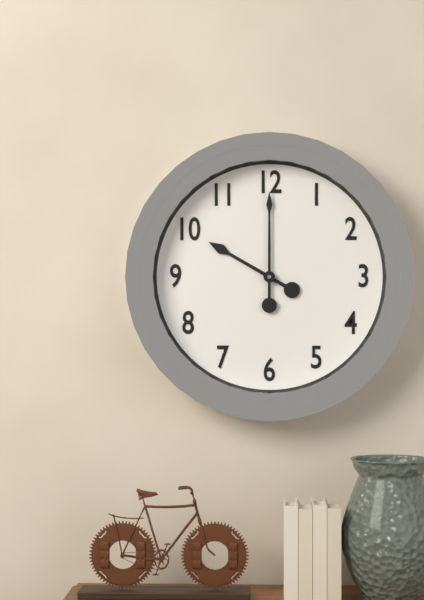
10 h 00 min
